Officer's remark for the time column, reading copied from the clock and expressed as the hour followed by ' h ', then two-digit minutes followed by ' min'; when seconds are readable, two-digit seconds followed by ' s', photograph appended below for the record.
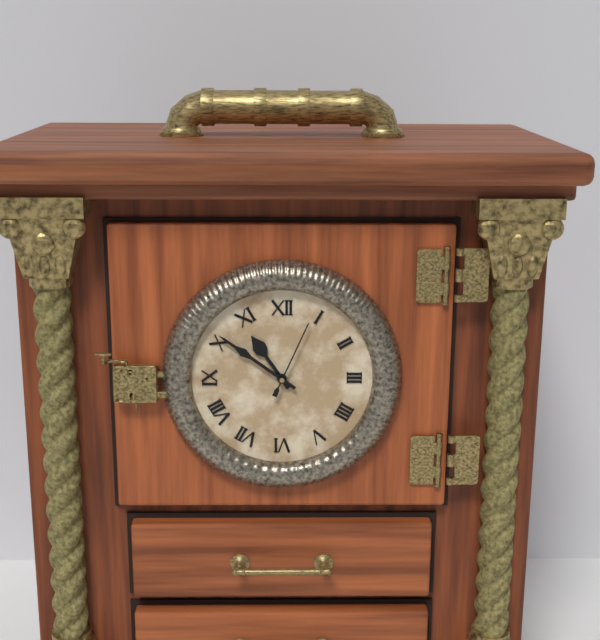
10 h 51 min 04 s
